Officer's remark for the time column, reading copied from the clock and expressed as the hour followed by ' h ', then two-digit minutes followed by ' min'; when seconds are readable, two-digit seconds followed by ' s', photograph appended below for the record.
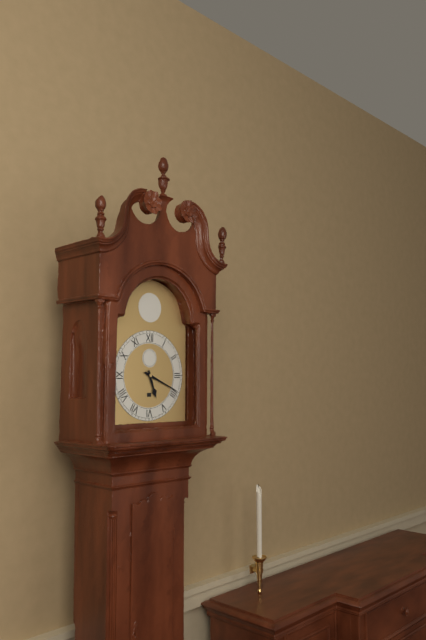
5 h 19 min
